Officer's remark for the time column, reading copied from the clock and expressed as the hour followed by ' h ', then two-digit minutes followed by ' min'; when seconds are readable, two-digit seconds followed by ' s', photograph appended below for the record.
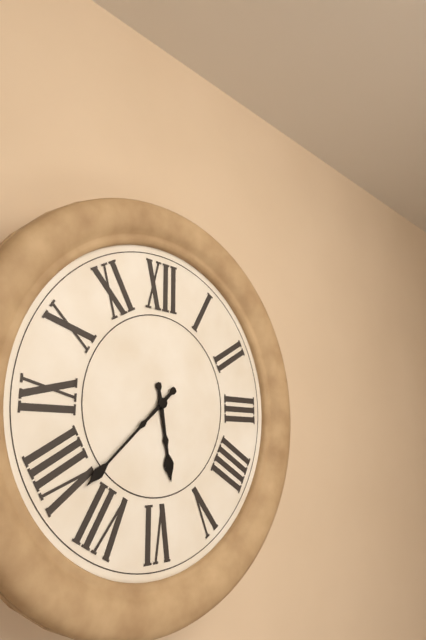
5 h 38 min
